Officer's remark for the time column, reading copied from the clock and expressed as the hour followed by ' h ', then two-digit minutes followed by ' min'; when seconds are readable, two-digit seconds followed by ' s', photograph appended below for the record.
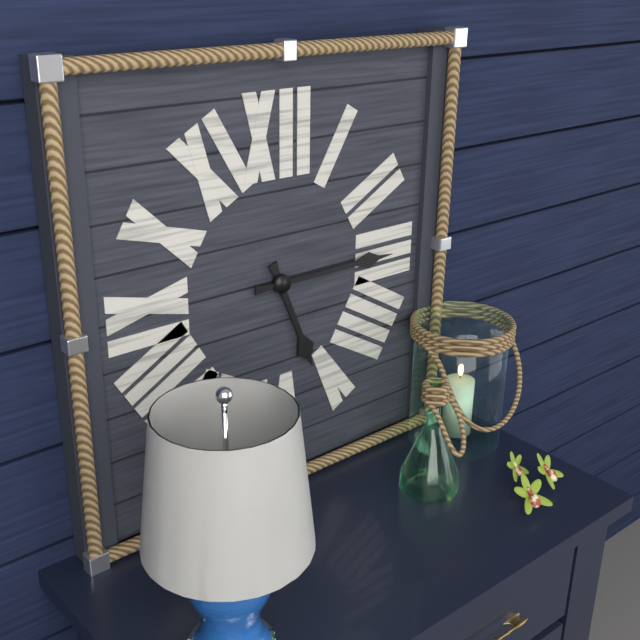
5 h 15 min
